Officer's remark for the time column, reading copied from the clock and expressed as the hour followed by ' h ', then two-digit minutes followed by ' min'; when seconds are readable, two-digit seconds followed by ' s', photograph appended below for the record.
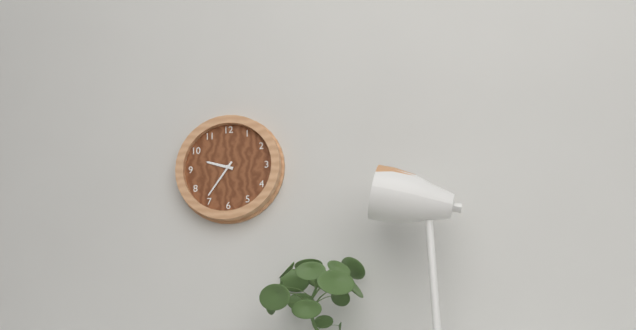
9 h 36 min
